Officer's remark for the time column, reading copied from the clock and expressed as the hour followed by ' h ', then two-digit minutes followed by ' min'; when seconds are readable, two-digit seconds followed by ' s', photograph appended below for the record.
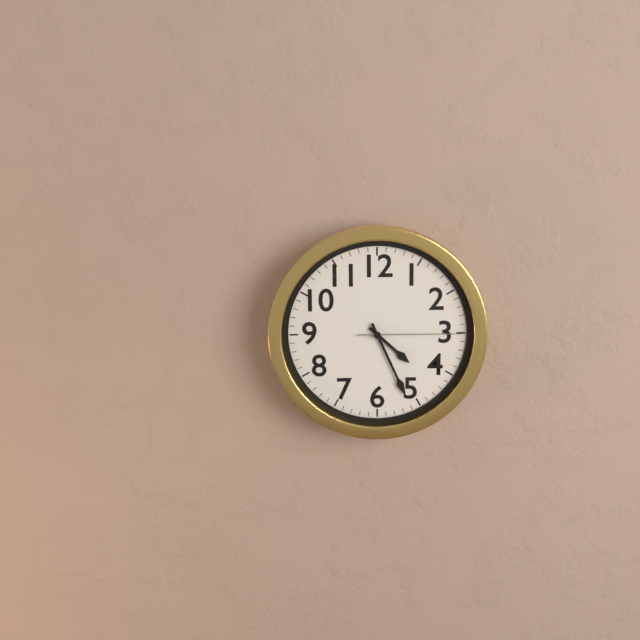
4 h 26 min 15 s
